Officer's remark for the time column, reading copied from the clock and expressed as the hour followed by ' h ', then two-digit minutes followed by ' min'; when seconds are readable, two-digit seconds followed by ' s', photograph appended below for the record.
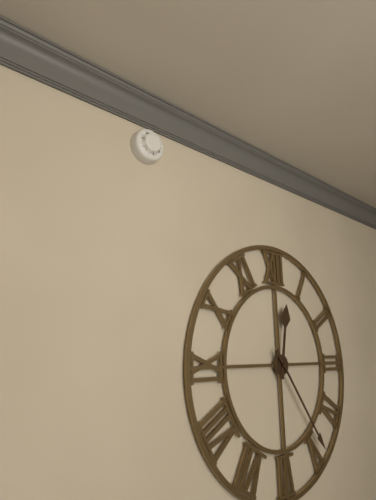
12 h 24 min
